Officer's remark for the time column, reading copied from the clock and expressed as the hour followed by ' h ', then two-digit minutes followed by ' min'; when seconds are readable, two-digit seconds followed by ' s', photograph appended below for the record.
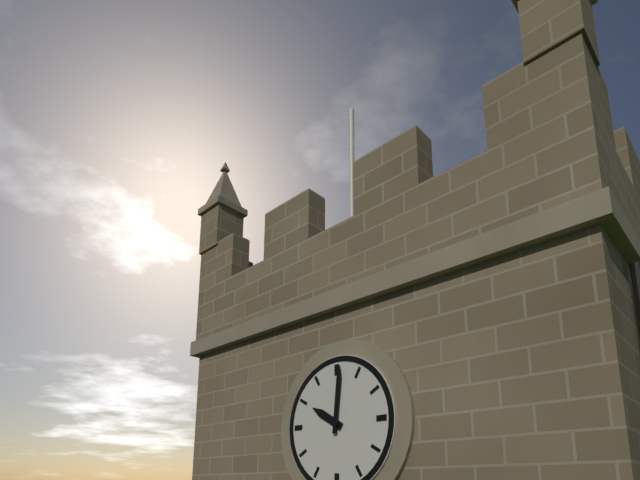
10 h 01 min
